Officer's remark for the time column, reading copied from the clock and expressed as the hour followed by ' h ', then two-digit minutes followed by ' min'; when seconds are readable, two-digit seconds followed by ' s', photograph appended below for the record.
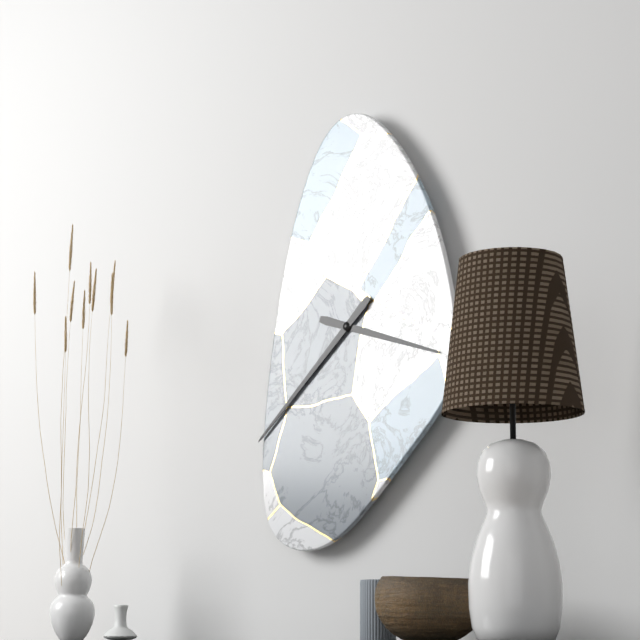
3 h 38 min
